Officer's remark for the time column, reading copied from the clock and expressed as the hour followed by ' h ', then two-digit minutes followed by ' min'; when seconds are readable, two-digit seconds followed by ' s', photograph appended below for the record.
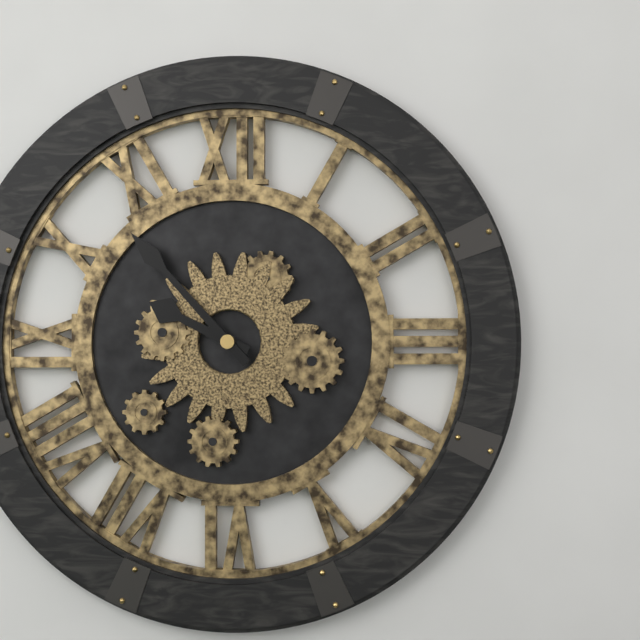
9 h 53 min
